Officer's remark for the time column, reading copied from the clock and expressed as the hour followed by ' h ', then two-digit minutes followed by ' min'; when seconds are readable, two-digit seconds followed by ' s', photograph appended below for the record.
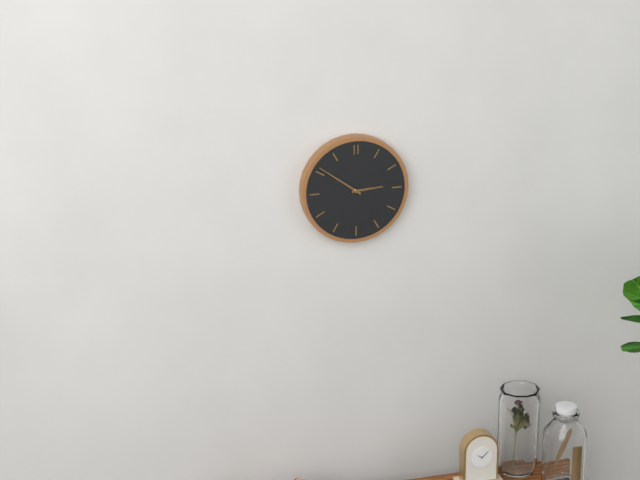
2 h 51 min
